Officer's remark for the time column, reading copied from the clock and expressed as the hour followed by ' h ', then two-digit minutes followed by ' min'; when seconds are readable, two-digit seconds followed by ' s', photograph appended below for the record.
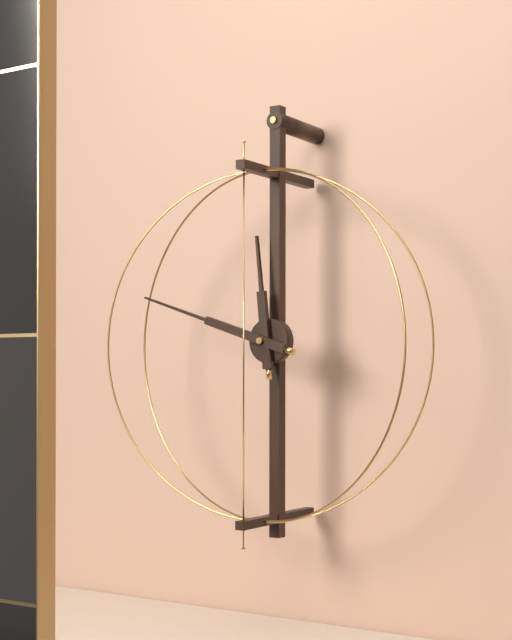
11 h 48 min
